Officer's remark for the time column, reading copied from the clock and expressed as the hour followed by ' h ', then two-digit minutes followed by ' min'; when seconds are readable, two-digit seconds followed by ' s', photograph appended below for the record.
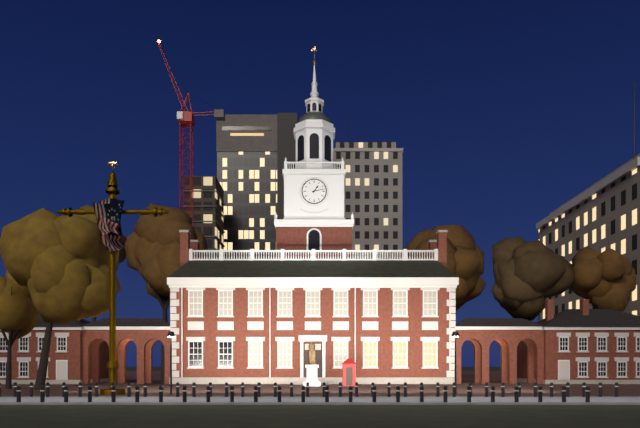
1 h 13 min
